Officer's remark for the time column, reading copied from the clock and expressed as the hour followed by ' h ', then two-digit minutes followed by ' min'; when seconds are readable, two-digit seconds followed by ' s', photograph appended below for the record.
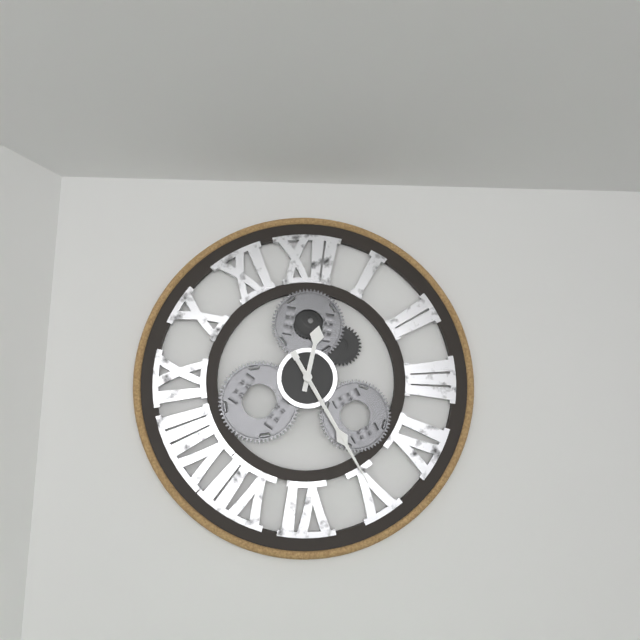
12 h 25 min 25 s
